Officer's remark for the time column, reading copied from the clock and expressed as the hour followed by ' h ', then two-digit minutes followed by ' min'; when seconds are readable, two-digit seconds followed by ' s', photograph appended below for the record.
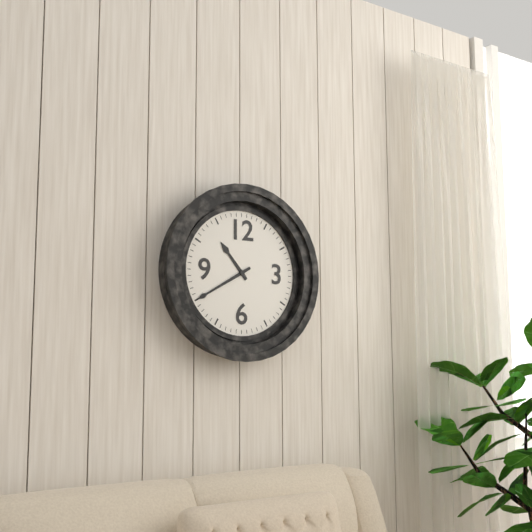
10 h 40 min
